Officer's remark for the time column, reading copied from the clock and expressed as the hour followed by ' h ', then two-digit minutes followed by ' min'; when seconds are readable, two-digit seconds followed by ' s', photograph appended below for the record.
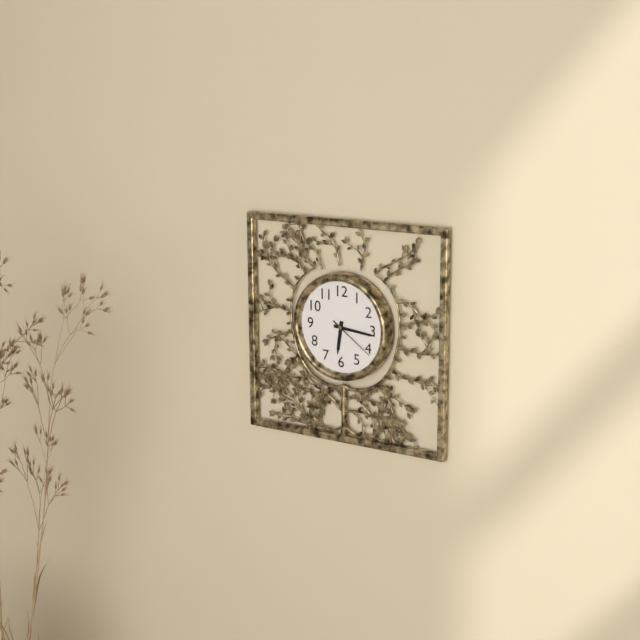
6 h 16 min
